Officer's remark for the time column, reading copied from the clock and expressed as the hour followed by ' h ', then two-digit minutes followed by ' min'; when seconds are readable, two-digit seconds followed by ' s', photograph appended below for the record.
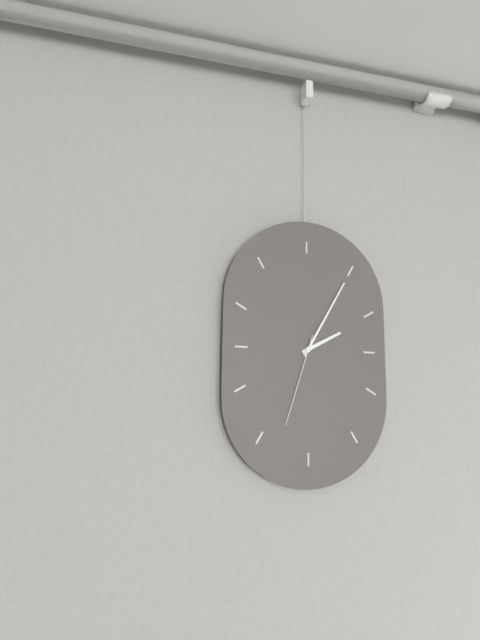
2 h 05 min 33 s
